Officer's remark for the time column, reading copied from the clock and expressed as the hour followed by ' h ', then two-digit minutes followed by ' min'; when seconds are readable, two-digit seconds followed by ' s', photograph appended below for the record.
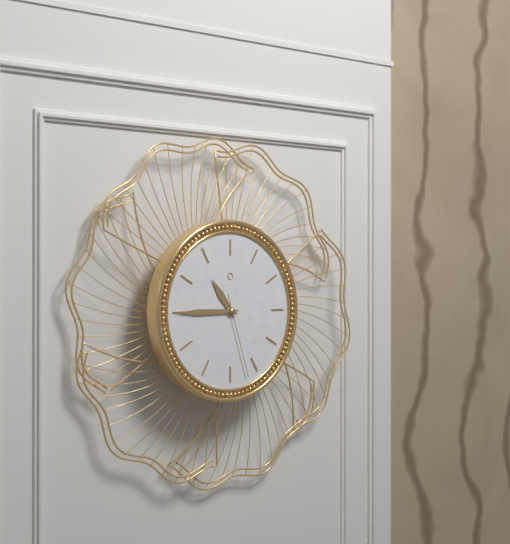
10 h 45 min 27 s
